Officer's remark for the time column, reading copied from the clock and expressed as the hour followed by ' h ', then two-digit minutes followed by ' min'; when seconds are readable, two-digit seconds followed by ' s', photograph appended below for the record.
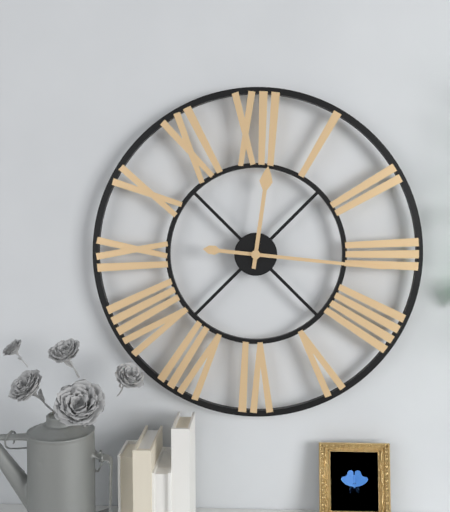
12 h 16 min
